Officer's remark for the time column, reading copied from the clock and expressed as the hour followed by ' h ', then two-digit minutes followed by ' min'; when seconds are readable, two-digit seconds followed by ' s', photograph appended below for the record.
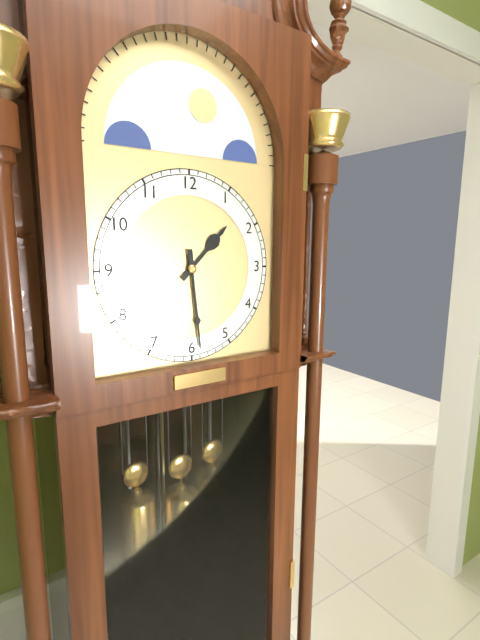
1 h 29 min
